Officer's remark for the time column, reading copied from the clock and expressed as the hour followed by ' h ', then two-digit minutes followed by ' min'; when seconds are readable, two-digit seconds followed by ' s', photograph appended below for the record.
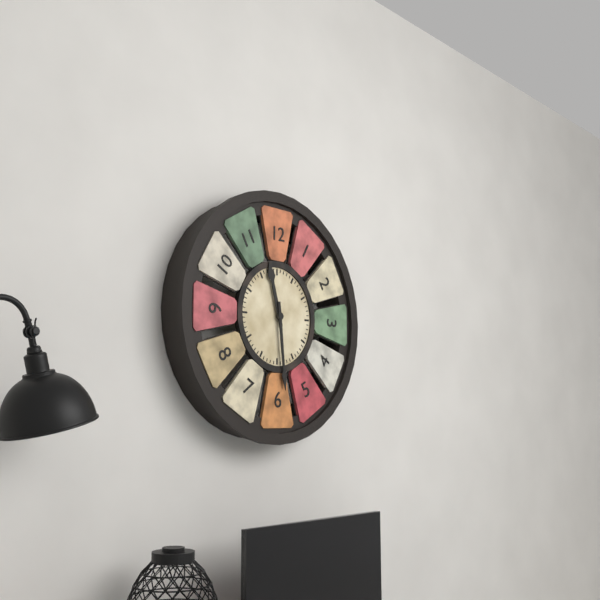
11 h 29 min
